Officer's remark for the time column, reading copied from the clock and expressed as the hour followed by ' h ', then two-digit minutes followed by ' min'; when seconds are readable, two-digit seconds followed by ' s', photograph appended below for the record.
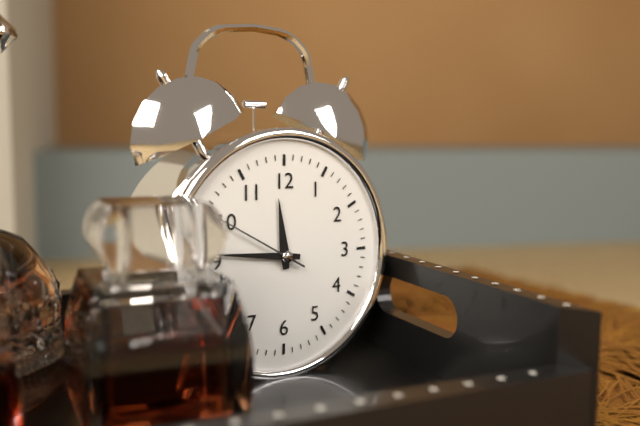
11 h 46 min 50 s
